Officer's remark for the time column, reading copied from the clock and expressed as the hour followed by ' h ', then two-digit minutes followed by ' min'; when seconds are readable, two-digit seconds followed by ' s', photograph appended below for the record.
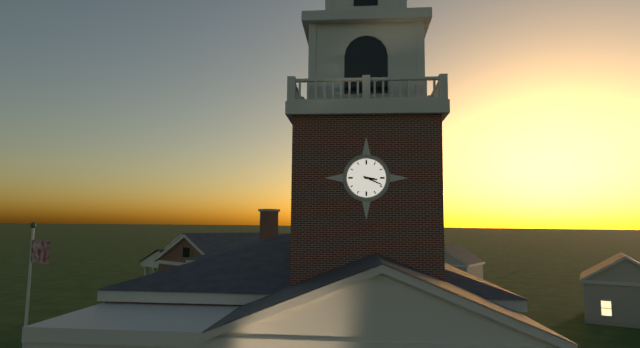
3 h 19 min
